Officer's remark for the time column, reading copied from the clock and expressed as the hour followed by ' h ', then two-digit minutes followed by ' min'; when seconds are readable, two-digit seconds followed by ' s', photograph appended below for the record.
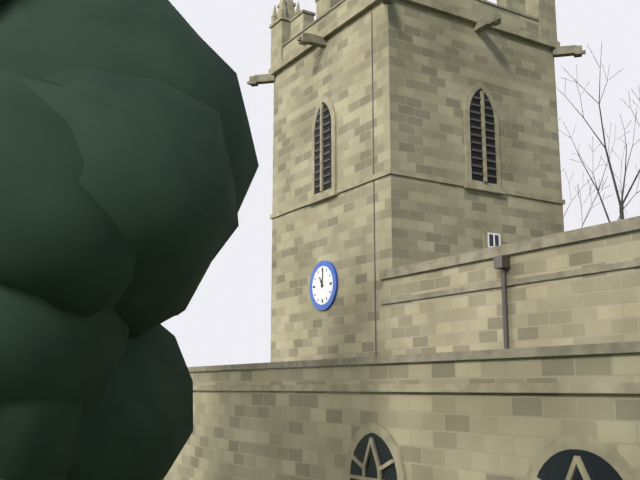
11 h 01 min
